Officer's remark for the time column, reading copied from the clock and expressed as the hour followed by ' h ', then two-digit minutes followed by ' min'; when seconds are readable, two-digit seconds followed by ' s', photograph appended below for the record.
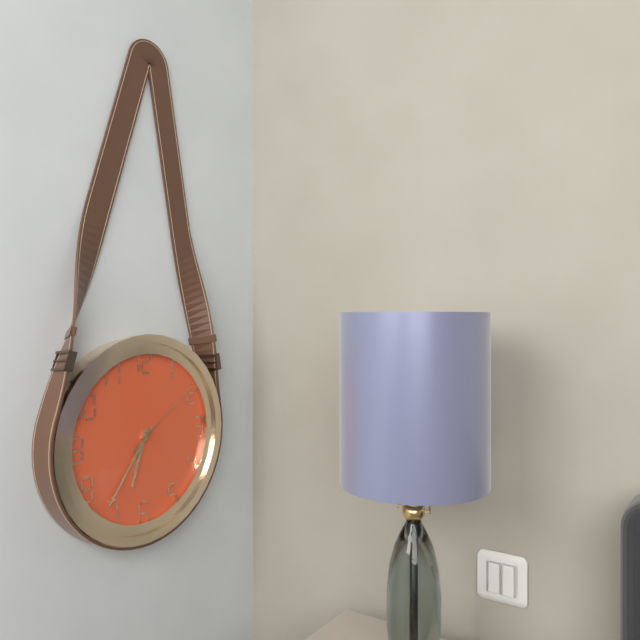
6 h 36 min 09 s
